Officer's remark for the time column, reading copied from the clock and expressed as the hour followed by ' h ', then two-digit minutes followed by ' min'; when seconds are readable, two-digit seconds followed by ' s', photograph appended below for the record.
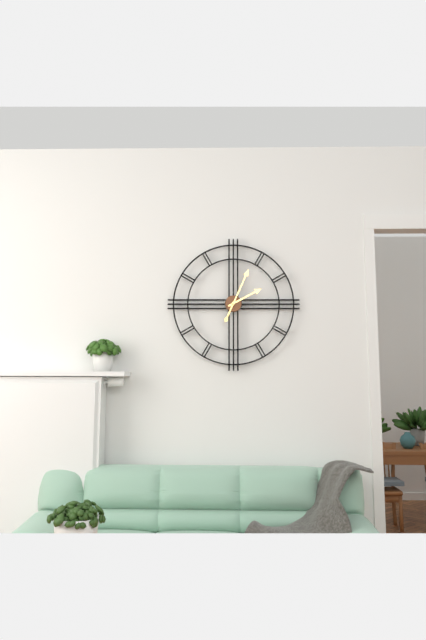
2 h 04 min
